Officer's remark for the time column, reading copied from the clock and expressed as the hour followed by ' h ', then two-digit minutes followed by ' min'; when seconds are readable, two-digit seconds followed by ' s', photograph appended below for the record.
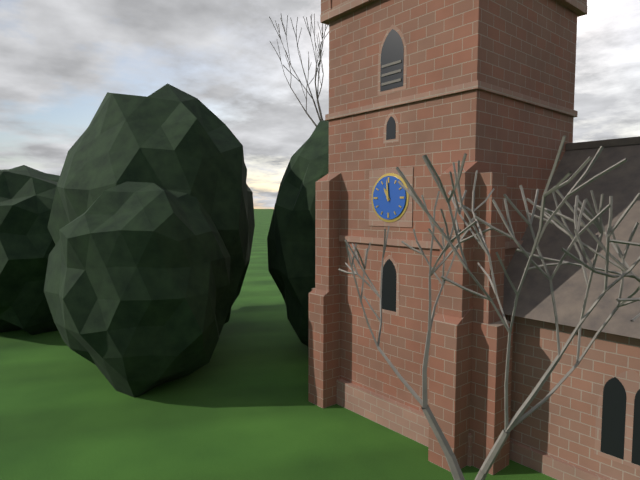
10 h 59 min
